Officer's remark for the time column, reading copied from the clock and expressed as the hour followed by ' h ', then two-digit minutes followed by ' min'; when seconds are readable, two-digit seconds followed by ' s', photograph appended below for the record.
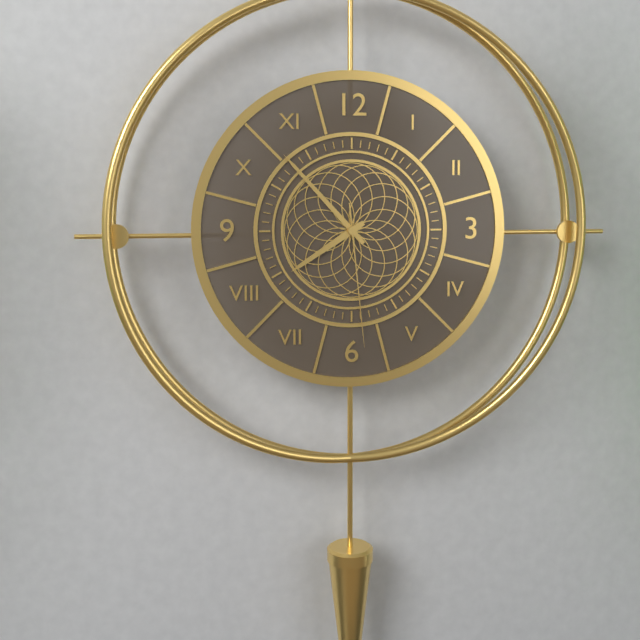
7 h 53 min 29 s
